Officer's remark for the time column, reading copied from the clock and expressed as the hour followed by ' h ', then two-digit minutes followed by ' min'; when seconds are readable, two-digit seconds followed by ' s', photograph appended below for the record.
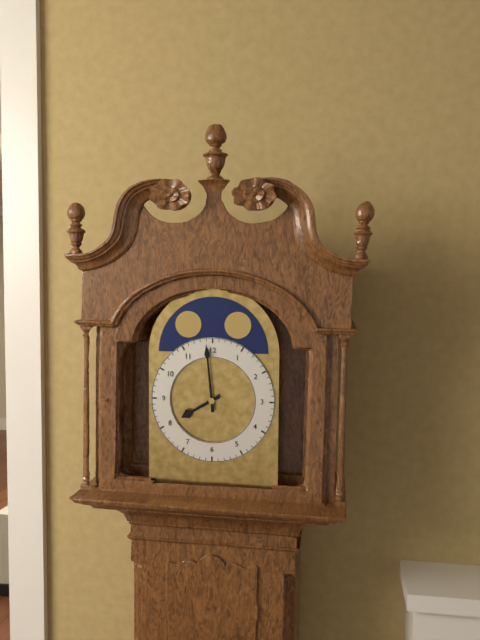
7 h 59 min
